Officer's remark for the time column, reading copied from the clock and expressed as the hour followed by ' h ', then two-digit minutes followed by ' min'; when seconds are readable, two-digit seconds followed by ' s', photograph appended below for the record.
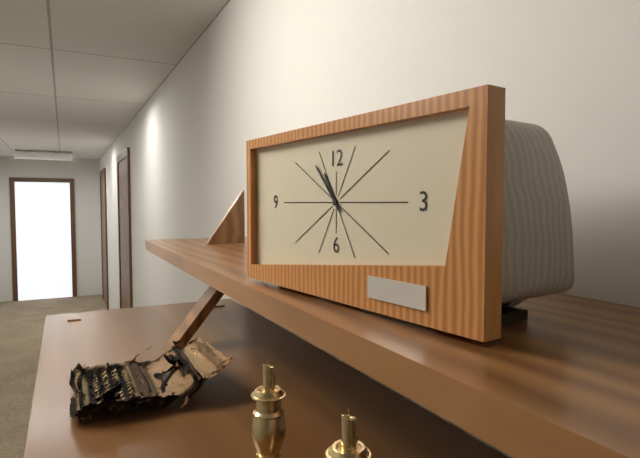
10 h 53 min
